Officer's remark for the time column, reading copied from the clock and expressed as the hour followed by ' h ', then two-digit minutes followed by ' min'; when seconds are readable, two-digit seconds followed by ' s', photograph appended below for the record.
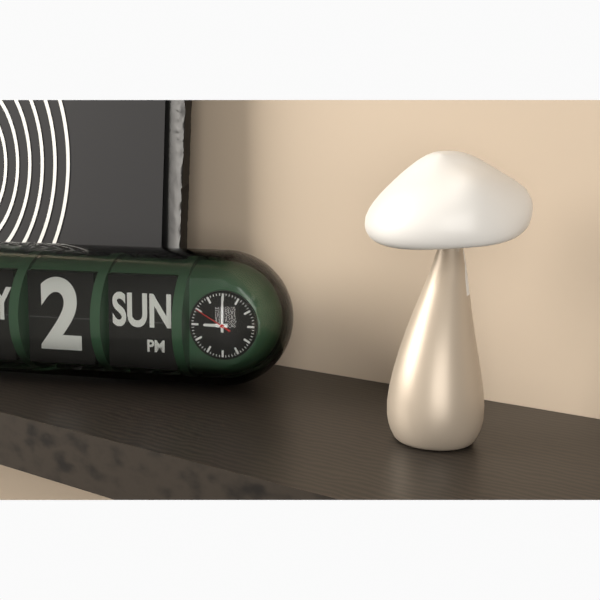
9 h 00 min
